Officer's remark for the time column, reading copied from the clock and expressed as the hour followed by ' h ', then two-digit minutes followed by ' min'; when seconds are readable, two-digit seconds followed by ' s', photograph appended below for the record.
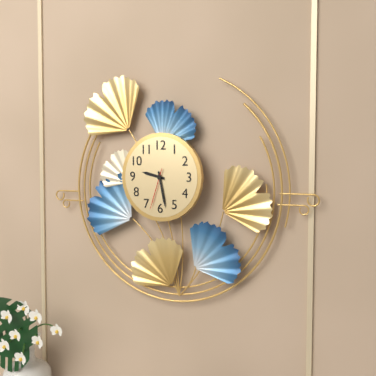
9 h 28 min
